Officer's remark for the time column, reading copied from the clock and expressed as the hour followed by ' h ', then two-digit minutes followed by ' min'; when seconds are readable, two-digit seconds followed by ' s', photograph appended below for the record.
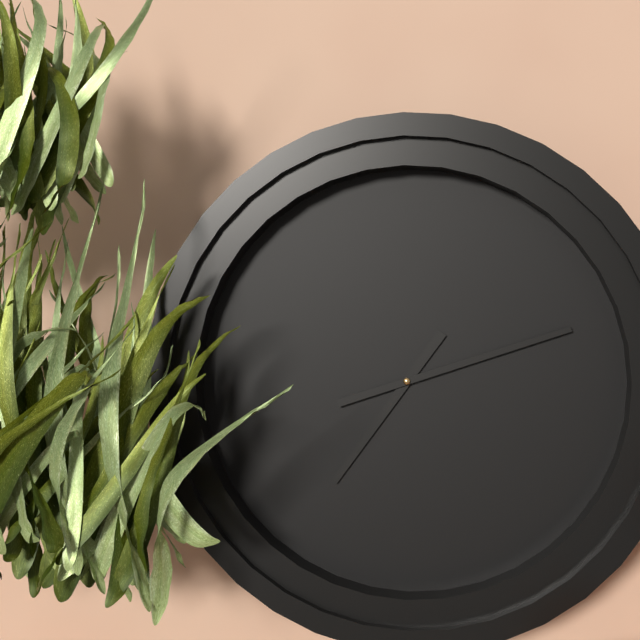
7 h 12 min
